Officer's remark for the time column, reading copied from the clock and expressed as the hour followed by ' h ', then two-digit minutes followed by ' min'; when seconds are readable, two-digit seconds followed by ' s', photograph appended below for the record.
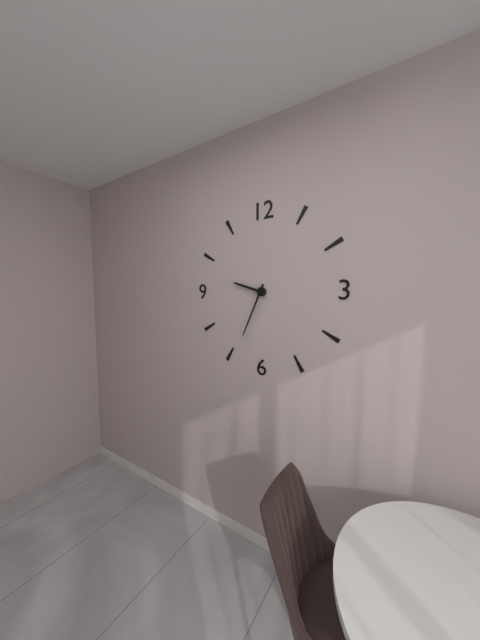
9 h 34 min
